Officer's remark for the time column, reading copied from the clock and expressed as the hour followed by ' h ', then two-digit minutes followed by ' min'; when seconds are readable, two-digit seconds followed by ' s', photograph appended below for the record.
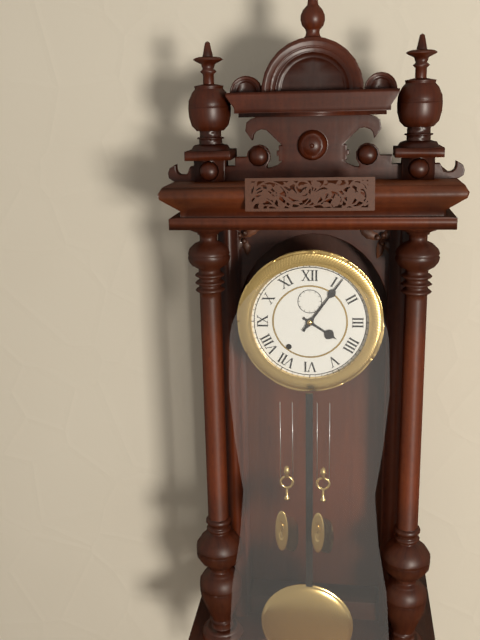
4 h 06 min
